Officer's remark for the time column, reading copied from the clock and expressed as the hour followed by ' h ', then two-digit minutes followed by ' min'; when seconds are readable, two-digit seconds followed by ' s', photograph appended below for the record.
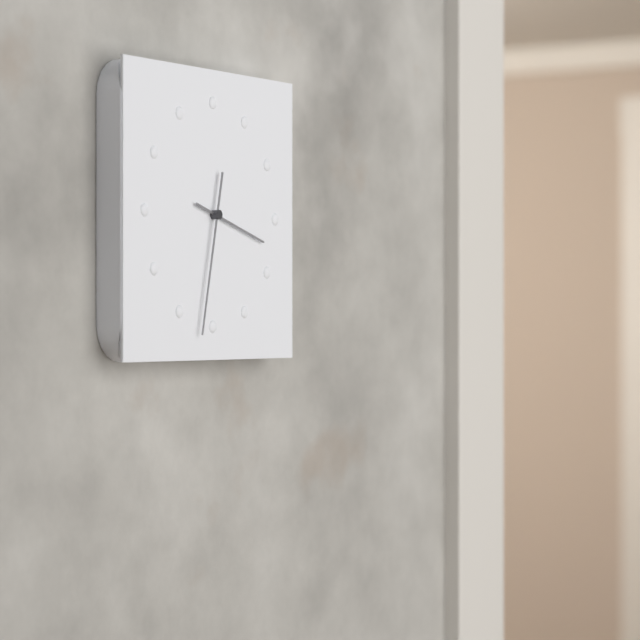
3 h 32 min
